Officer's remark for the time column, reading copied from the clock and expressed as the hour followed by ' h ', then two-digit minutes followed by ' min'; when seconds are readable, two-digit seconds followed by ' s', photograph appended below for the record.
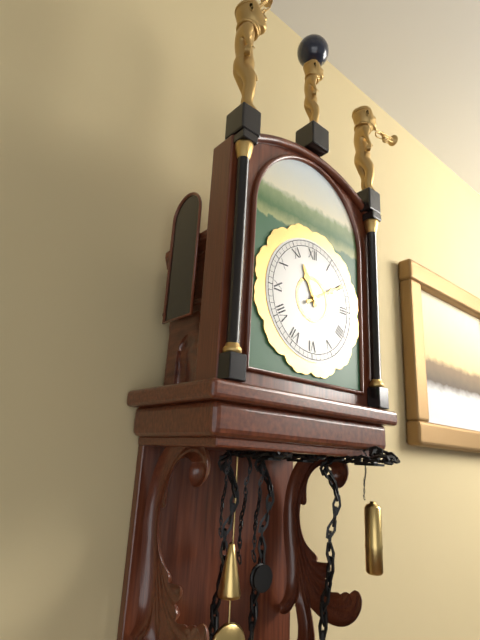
11 h 10 min
